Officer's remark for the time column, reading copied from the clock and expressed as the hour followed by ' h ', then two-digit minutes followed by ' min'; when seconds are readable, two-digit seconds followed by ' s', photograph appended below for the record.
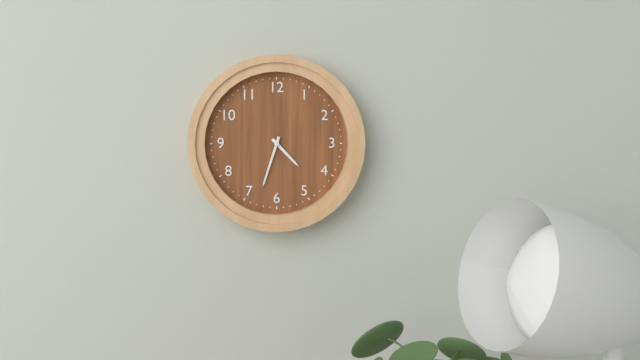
4 h 33 min
